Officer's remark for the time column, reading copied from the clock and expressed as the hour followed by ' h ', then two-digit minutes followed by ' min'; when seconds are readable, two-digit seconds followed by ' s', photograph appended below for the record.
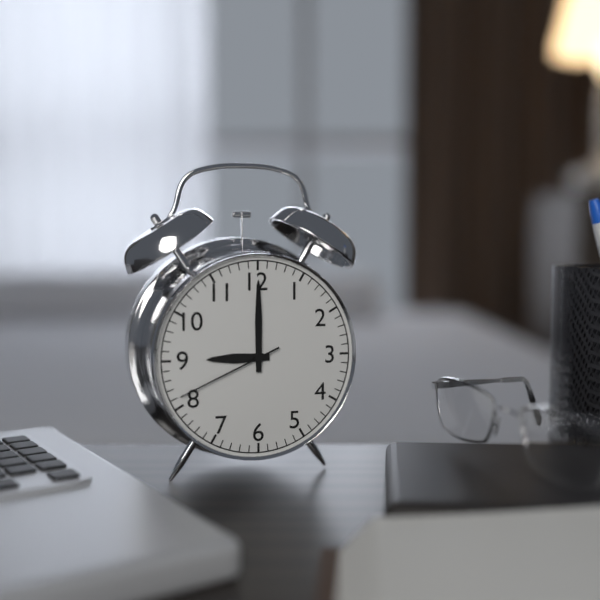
9 h 00 min 41 s
